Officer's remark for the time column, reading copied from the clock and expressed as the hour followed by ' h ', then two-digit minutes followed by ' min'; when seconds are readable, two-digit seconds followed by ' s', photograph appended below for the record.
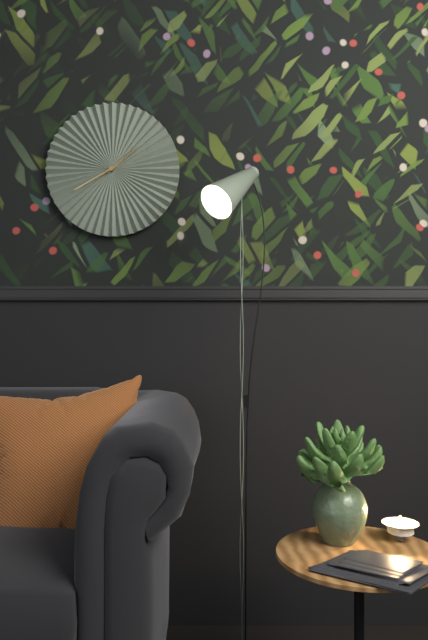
1 h 40 min
